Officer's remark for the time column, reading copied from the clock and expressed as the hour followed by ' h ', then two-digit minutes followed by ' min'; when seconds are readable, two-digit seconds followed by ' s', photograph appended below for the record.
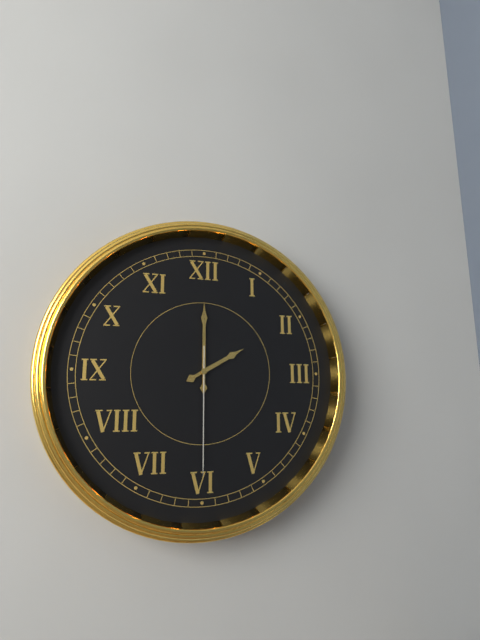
2 h 00 min 30 s
